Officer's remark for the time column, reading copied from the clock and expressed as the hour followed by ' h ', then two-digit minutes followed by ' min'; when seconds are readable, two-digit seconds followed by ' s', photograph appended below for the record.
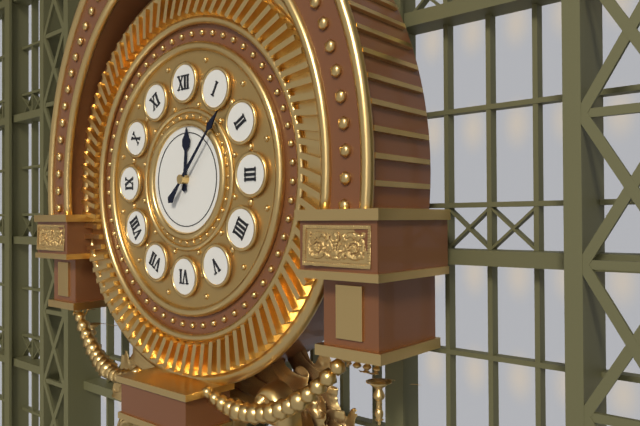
12 h 07 min
